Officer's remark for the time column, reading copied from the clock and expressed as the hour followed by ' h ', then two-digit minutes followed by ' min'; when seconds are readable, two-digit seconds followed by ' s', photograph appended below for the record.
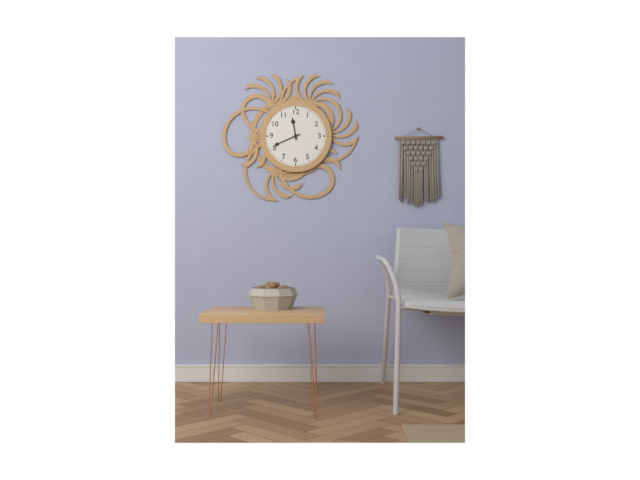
11 h 41 min
